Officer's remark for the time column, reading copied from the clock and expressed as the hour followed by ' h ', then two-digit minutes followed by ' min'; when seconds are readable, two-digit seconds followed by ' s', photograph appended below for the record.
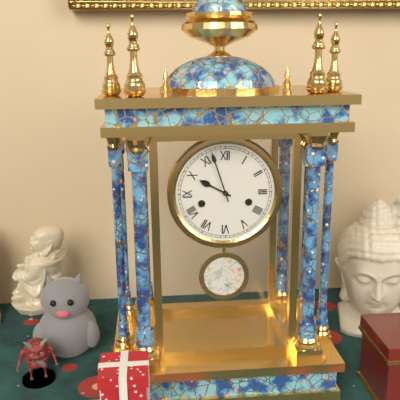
9 h 57 min
